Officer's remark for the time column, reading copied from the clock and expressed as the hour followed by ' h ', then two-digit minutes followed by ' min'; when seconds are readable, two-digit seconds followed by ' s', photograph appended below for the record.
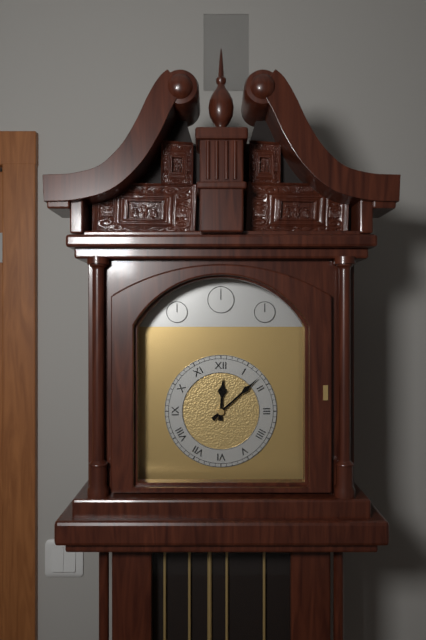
12 h 08 min
